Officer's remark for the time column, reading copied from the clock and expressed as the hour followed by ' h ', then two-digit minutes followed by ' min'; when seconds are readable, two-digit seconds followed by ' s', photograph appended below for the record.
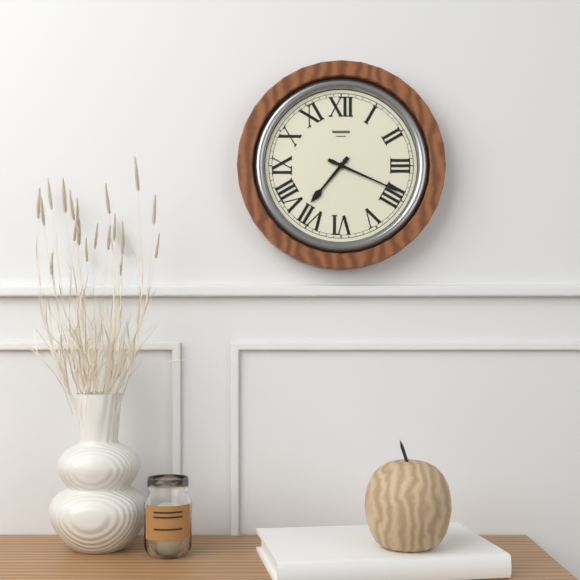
7 h 19 min
